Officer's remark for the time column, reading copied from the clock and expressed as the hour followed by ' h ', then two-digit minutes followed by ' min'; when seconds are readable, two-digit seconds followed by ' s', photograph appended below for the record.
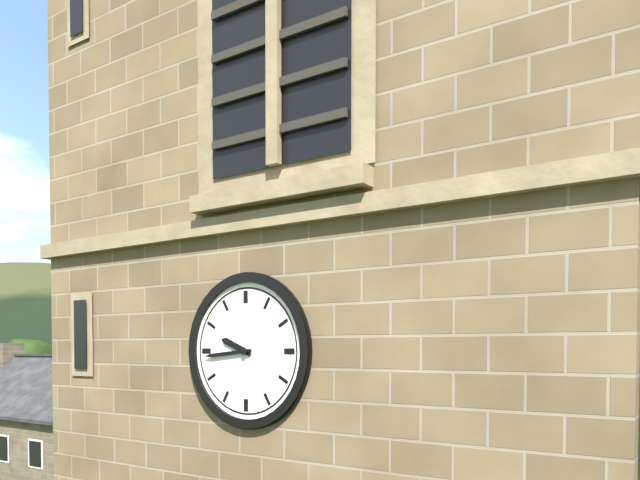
9 h 44 min
